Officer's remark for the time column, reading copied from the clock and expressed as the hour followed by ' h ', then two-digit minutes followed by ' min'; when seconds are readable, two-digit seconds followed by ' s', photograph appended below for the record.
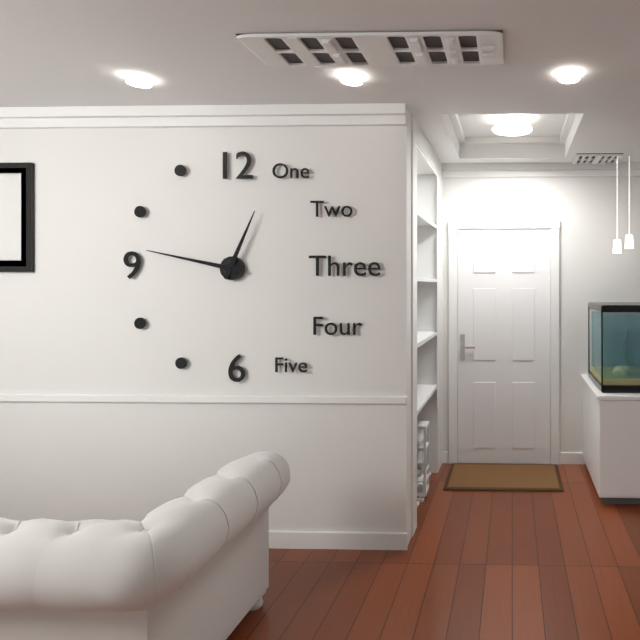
12 h 47 min
